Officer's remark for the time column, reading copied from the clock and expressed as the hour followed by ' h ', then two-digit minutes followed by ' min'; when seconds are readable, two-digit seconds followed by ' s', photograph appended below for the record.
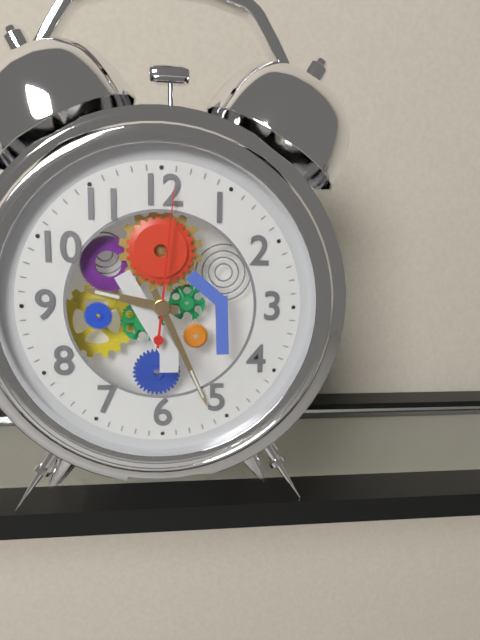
9 h 26 min 01 s
